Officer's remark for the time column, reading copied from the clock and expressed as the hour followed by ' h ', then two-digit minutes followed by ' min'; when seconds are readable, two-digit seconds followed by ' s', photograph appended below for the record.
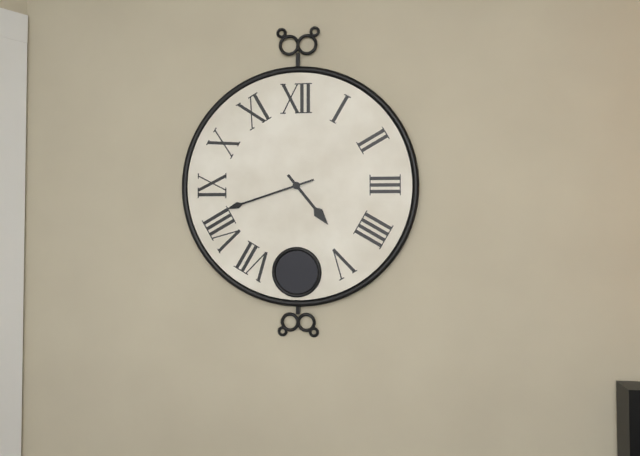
4 h 42 min
